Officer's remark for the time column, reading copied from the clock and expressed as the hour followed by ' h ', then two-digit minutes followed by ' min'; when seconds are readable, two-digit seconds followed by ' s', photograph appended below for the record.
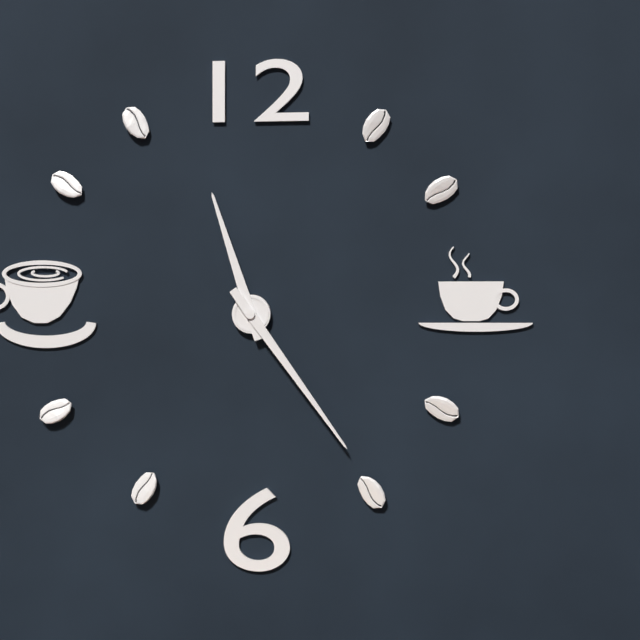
11 h 24 min
